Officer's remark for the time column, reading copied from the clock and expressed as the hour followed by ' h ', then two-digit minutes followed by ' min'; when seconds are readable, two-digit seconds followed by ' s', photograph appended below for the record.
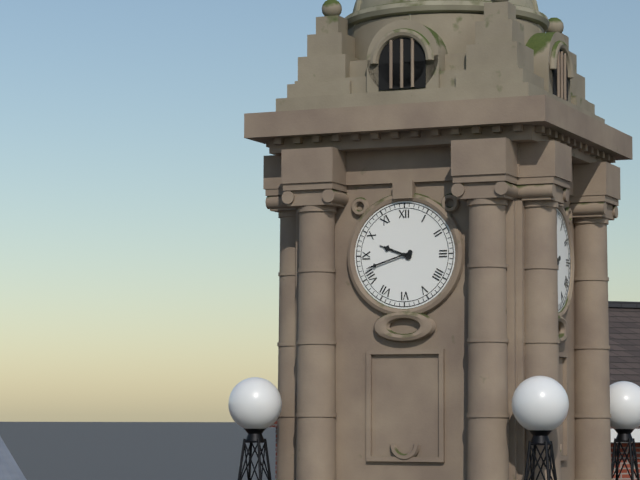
9 h 42 min
